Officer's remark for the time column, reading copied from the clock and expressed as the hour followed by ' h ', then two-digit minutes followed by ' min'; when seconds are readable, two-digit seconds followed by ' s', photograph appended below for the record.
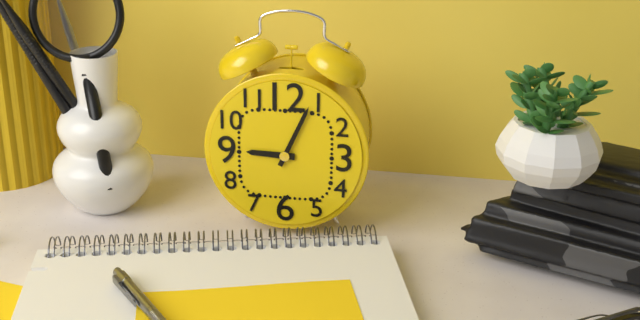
9 h 04 min
